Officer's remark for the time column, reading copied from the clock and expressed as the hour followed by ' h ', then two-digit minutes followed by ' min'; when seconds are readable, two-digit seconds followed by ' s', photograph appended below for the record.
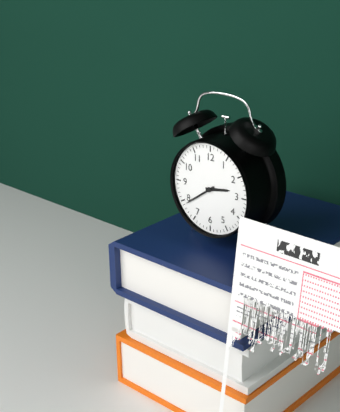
2 h 39 min
